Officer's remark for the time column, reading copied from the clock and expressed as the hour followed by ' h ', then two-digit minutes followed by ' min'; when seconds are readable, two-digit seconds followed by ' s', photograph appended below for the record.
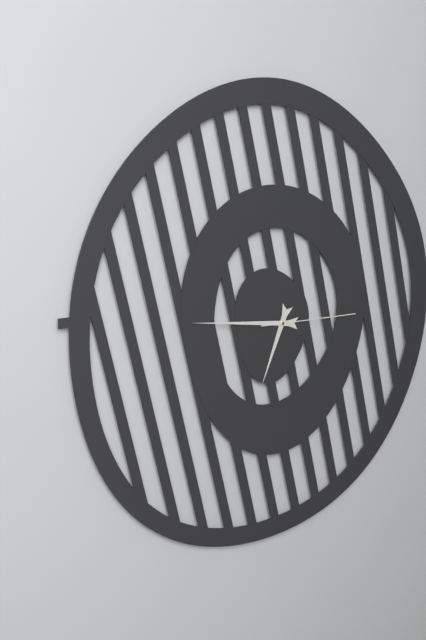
6 h 46 min 15 s
